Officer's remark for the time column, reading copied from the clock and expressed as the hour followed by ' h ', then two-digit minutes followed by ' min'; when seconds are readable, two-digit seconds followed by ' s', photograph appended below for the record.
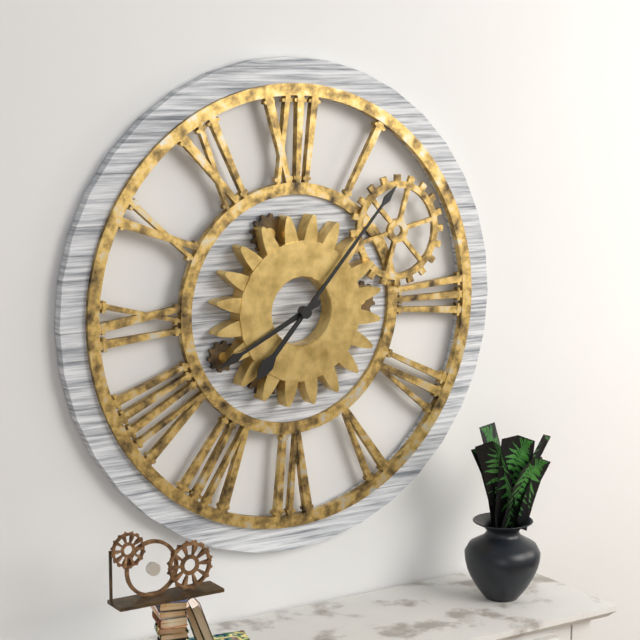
8 h 07 min
